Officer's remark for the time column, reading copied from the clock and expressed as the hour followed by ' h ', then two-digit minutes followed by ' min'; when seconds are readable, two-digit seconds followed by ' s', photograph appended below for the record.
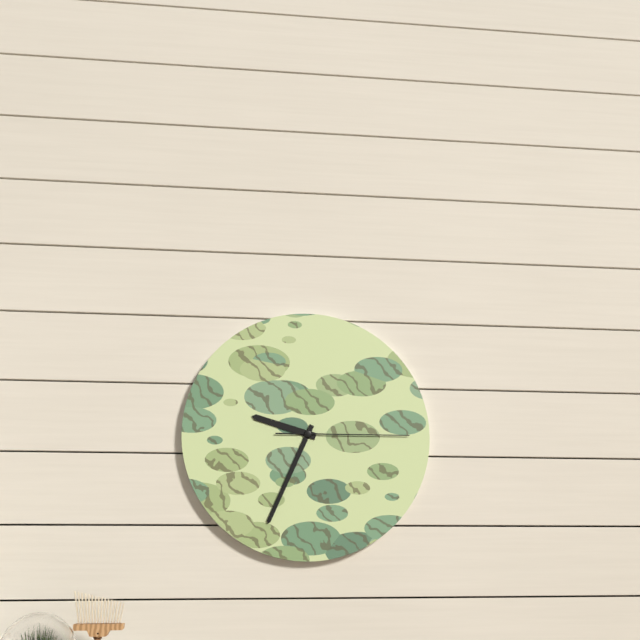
9 h 34 min 15 s
